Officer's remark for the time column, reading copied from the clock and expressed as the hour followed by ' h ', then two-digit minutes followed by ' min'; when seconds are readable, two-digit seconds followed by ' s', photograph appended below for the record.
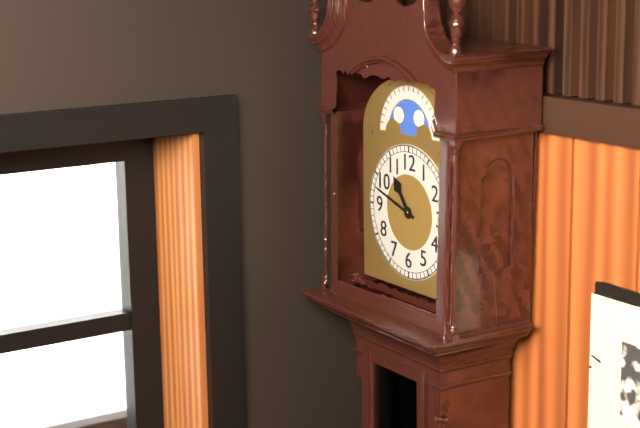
10 h 48 min
